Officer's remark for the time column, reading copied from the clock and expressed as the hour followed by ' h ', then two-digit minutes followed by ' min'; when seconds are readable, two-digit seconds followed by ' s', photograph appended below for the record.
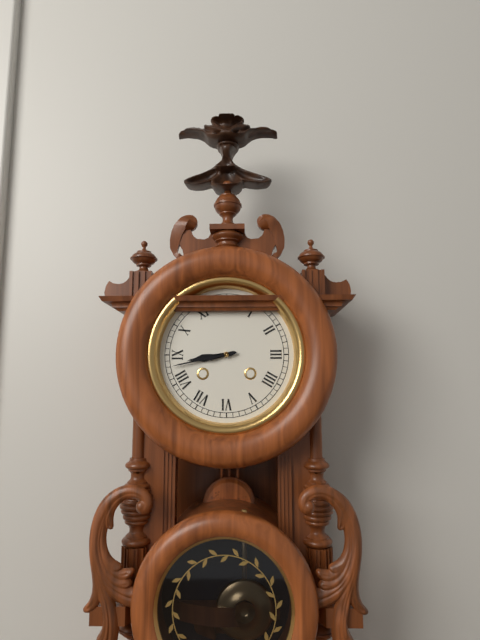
8 h 43 min
